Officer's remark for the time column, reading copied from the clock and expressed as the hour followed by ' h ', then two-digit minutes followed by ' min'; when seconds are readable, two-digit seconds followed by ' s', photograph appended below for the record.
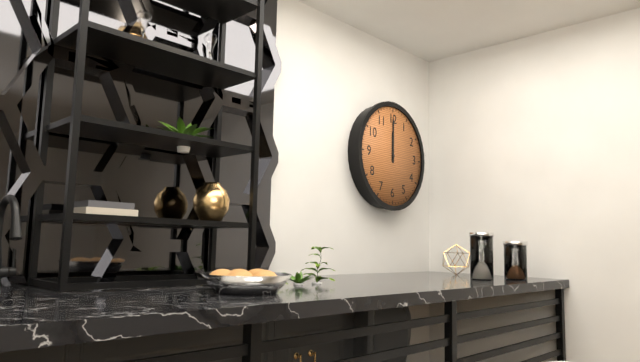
12 h 00 min
